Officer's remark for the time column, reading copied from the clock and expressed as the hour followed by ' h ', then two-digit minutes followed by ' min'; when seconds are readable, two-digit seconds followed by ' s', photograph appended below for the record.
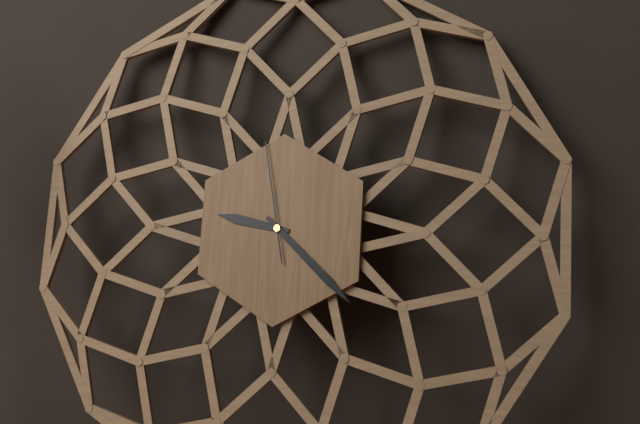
9 h 22 min 58 s
